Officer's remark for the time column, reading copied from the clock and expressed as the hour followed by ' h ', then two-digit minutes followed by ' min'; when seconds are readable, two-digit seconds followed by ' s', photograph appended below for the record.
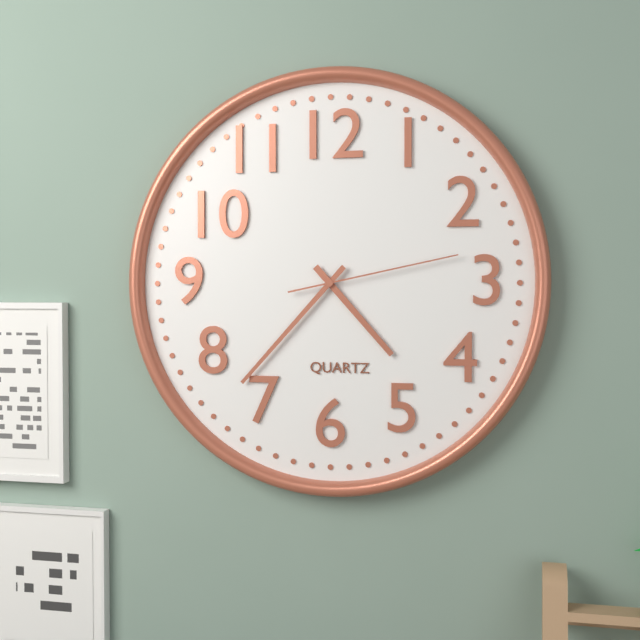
4 h 37 min 13 s
